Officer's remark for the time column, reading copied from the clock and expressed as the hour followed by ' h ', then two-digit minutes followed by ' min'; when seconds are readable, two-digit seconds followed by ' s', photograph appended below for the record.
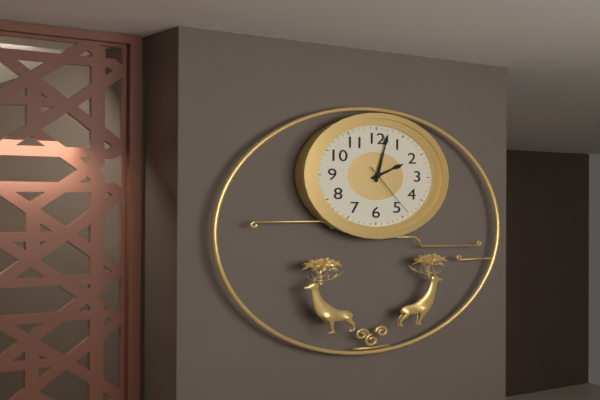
2 h 02 min 24 s
